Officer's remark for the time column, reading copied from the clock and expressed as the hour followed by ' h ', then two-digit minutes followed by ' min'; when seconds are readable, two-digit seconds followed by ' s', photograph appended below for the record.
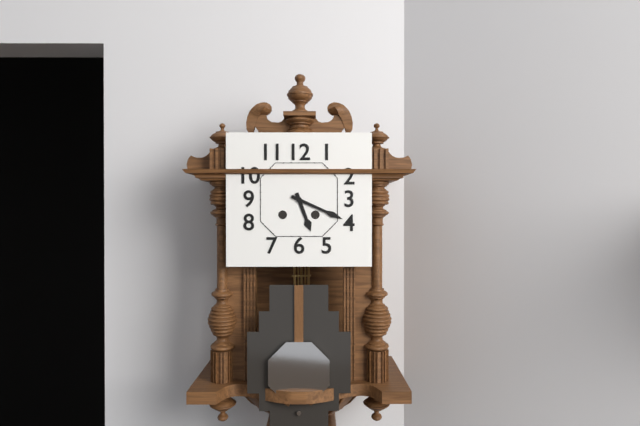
5 h 19 min
